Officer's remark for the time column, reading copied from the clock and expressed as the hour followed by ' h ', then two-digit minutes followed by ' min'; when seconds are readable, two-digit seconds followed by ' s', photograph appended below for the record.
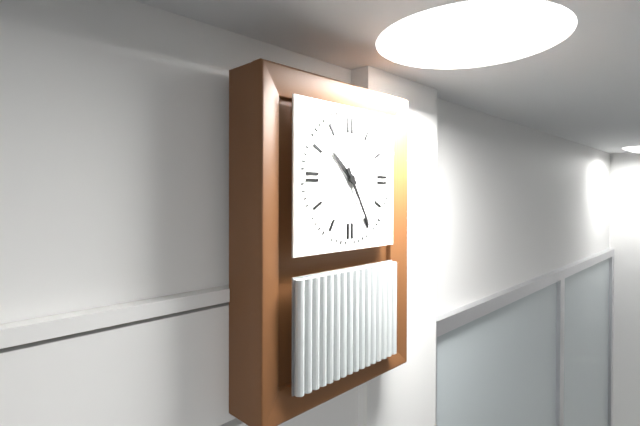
10 h 25 min
